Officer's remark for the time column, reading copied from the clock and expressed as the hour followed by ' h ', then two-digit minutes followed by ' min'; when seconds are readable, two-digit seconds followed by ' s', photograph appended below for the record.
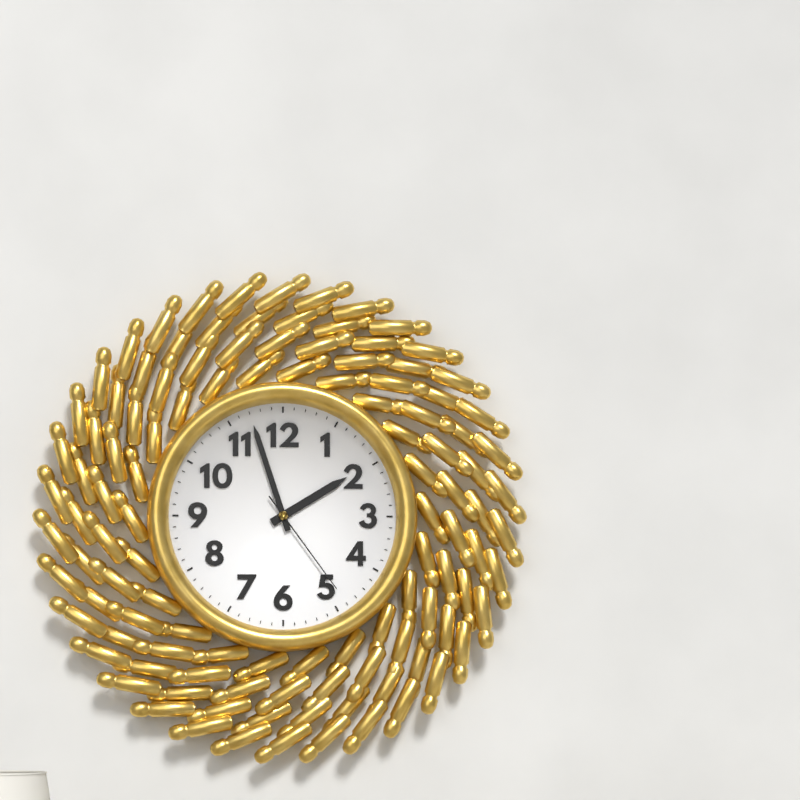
1 h 57 min 24 s
